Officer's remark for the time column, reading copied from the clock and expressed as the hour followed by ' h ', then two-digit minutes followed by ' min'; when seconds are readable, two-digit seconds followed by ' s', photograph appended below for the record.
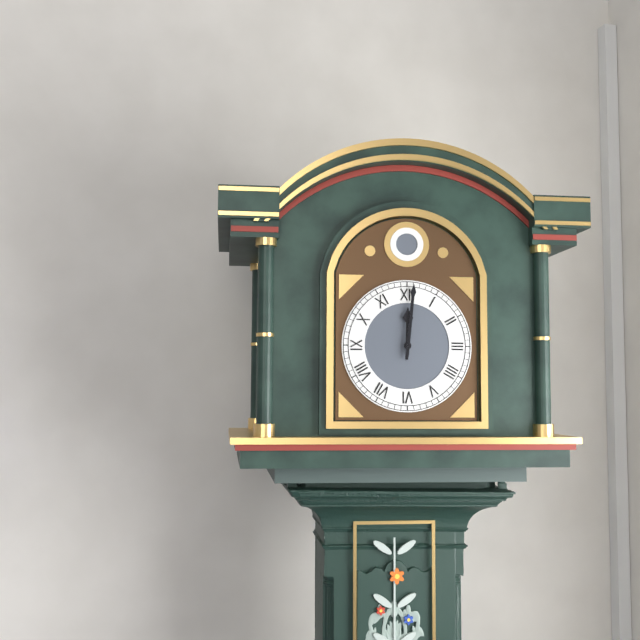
12 h 01 min
